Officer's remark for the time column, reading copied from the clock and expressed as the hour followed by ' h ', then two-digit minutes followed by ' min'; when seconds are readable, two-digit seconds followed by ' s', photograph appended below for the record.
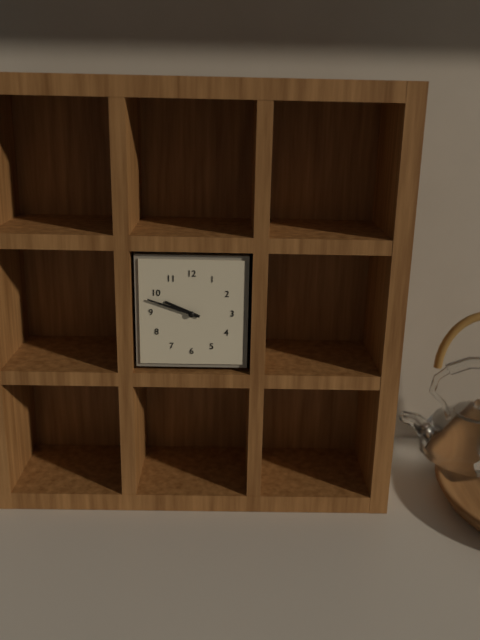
9 h 48 min
